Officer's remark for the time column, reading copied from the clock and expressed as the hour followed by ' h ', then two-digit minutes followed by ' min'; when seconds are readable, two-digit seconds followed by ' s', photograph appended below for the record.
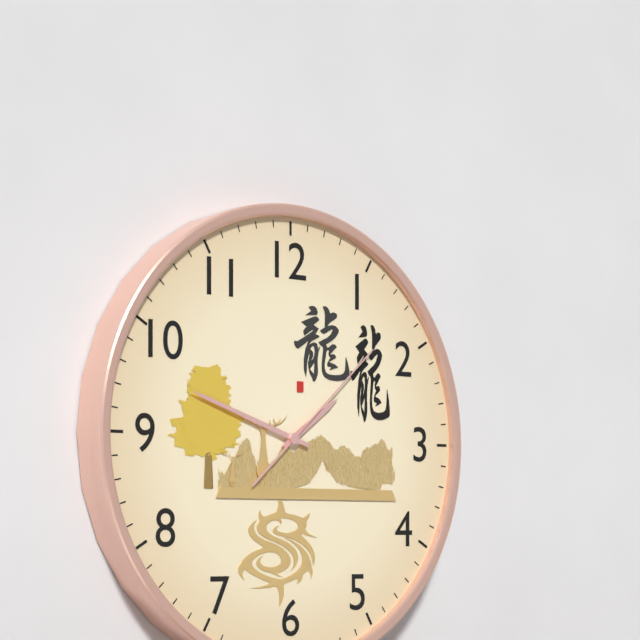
1 h 48 min 08 s
